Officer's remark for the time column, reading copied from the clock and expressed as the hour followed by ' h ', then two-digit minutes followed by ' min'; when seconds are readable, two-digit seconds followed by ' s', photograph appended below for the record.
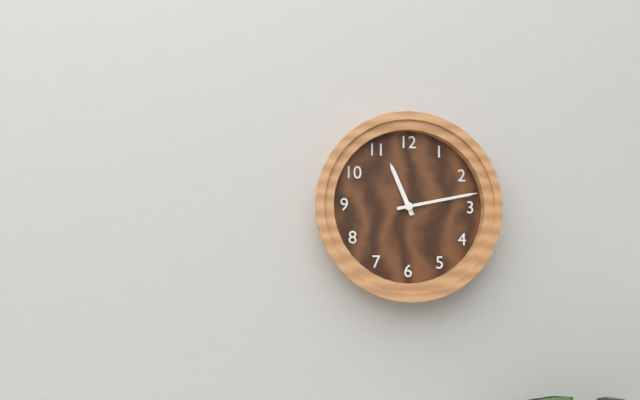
11 h 13 min
